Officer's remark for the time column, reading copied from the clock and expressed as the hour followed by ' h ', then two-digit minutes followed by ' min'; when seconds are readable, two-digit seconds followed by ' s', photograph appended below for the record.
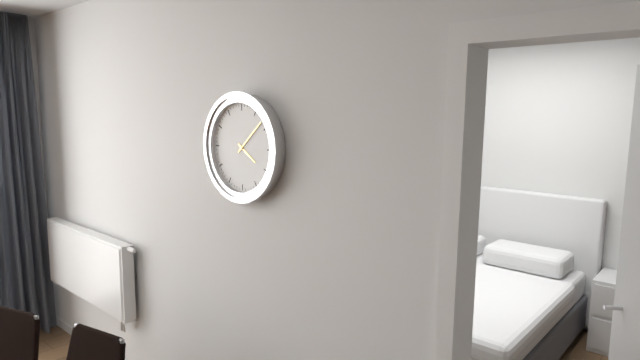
4 h 08 min
